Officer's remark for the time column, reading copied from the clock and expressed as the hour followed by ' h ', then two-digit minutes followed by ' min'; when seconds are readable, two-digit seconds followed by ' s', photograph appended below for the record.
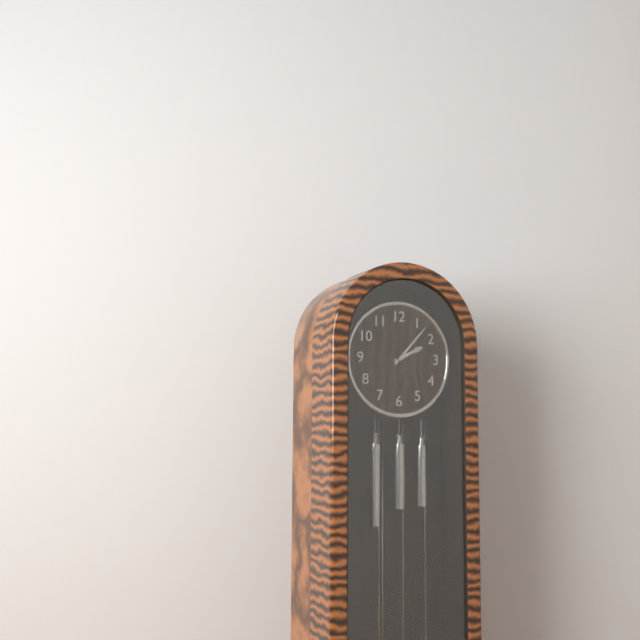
2 h 07 min
